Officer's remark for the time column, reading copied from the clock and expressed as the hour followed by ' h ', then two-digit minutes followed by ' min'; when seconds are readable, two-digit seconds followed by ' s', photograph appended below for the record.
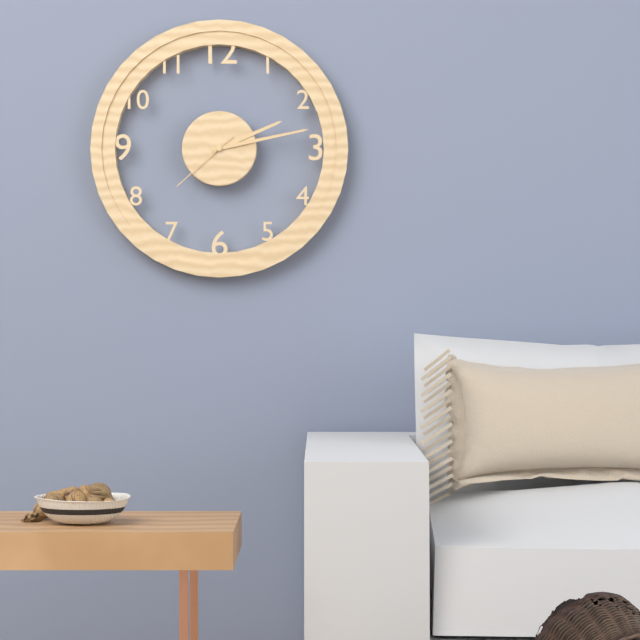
2 h 13 min 38 s
